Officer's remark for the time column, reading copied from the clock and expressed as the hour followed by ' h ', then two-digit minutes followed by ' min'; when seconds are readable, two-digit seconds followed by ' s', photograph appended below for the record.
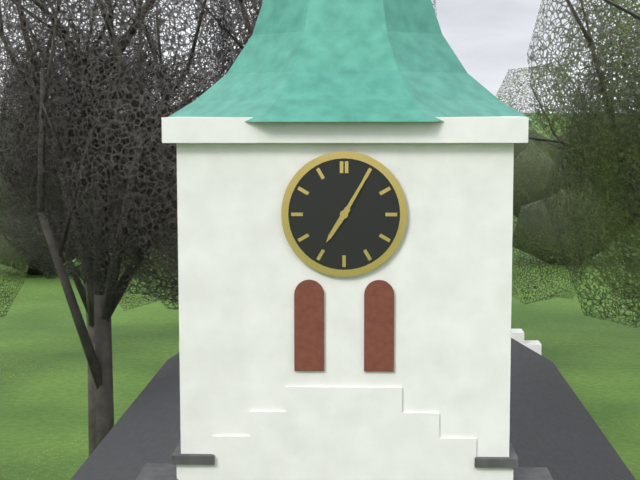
7 h 05 min
